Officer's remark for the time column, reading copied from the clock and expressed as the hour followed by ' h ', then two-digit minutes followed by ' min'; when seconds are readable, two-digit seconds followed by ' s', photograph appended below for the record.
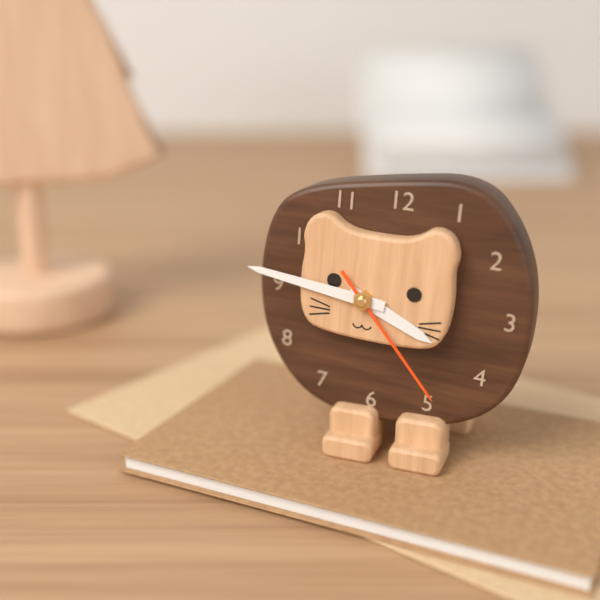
3 h 46 min 23 s
